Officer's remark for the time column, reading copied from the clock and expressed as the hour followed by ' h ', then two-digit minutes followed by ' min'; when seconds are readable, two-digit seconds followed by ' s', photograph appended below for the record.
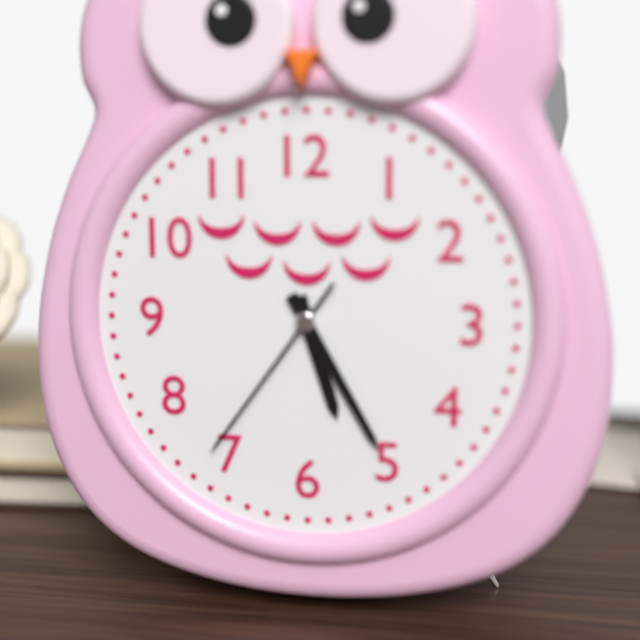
5 h 25 min 36 s
